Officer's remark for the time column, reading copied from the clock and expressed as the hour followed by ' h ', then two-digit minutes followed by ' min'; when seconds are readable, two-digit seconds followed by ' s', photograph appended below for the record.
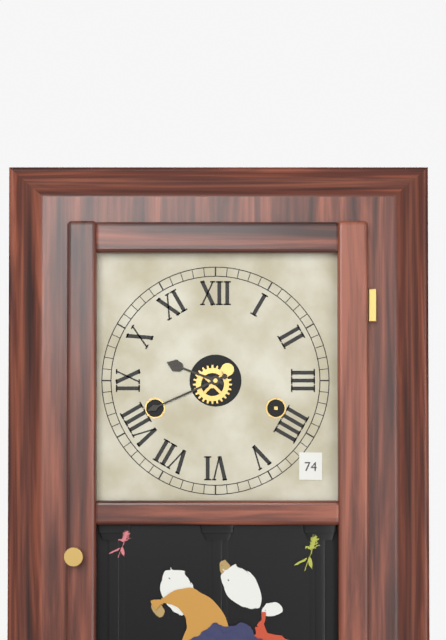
9 h 41 min
